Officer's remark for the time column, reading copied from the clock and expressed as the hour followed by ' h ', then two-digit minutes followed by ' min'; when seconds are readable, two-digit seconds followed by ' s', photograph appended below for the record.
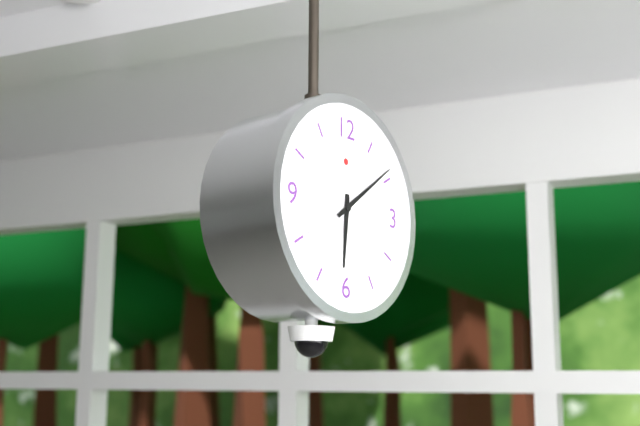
6 h 09 min
